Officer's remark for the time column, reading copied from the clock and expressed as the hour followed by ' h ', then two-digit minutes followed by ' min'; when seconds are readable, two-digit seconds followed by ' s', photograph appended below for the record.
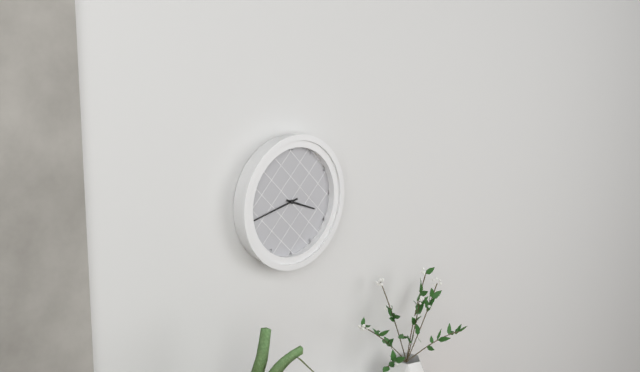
3 h 43 min
